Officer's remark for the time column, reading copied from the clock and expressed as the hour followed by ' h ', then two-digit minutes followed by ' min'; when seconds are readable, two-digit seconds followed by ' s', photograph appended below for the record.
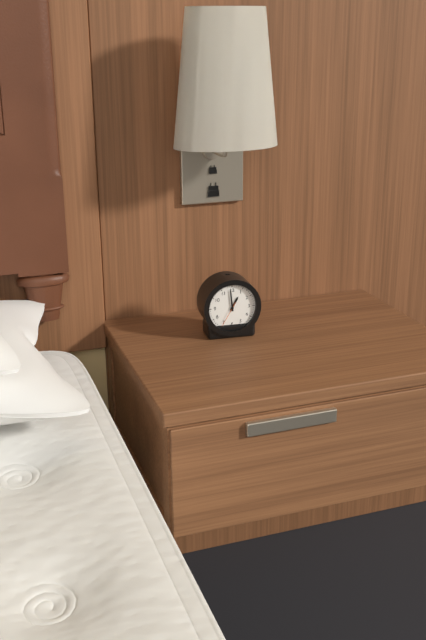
12 h 59 min
